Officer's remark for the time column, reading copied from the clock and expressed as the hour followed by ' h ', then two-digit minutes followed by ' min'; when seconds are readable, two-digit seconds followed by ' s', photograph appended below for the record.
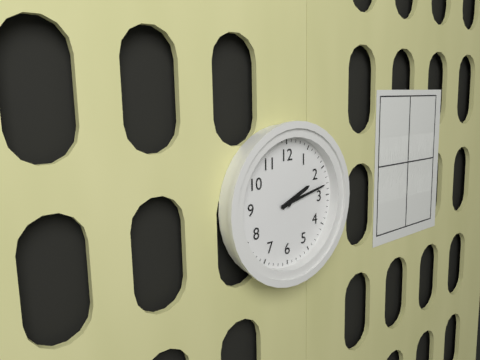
2 h 13 min
